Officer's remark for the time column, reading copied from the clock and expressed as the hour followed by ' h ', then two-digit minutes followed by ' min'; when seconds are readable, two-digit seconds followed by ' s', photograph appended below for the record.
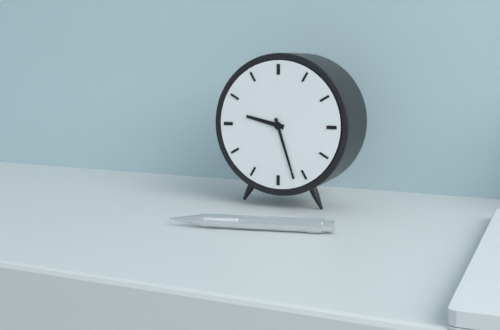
9 h 27 min
